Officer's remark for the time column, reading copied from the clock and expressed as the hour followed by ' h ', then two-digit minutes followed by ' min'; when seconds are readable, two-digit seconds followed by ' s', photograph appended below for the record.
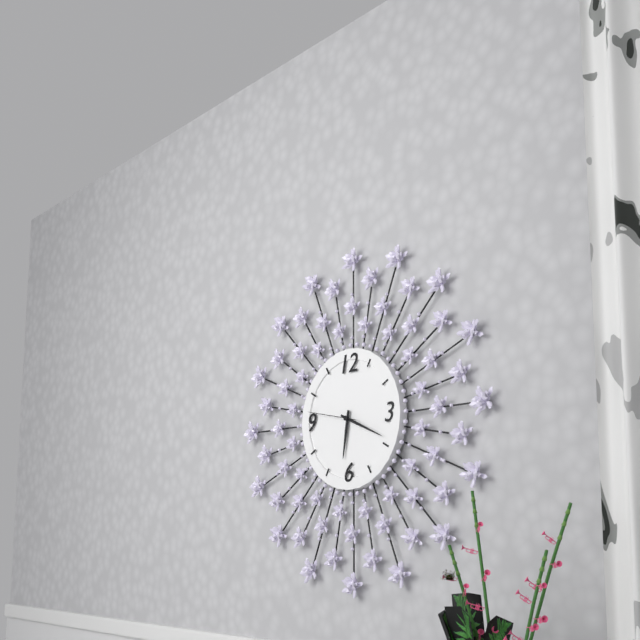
6 h 19 min
